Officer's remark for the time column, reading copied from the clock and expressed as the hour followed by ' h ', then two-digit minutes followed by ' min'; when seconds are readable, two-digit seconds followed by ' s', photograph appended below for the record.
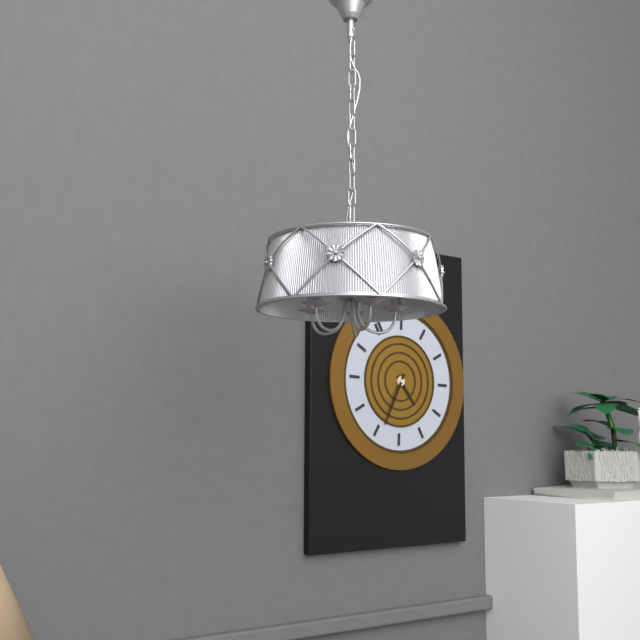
5 h 39 min
